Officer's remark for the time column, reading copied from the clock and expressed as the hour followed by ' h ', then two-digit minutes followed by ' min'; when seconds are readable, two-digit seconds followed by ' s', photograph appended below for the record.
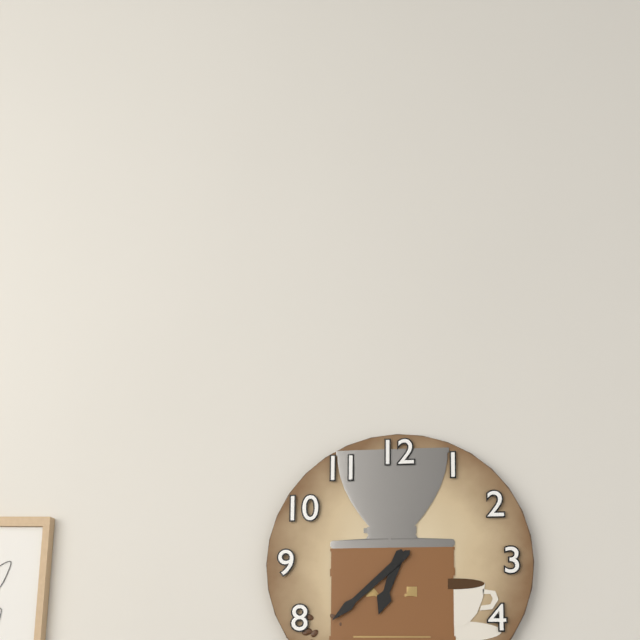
6 h 38 min
